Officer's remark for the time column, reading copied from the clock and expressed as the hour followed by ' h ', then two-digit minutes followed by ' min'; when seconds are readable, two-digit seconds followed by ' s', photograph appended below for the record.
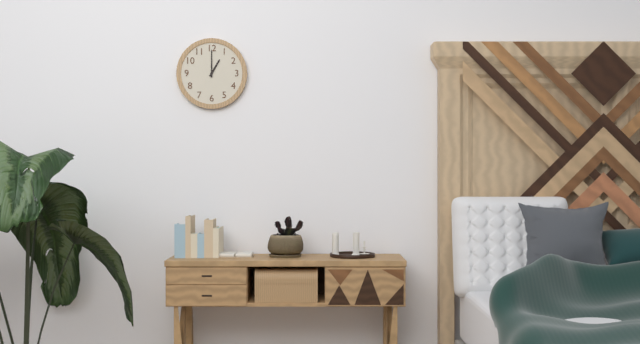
1 h 00 min
